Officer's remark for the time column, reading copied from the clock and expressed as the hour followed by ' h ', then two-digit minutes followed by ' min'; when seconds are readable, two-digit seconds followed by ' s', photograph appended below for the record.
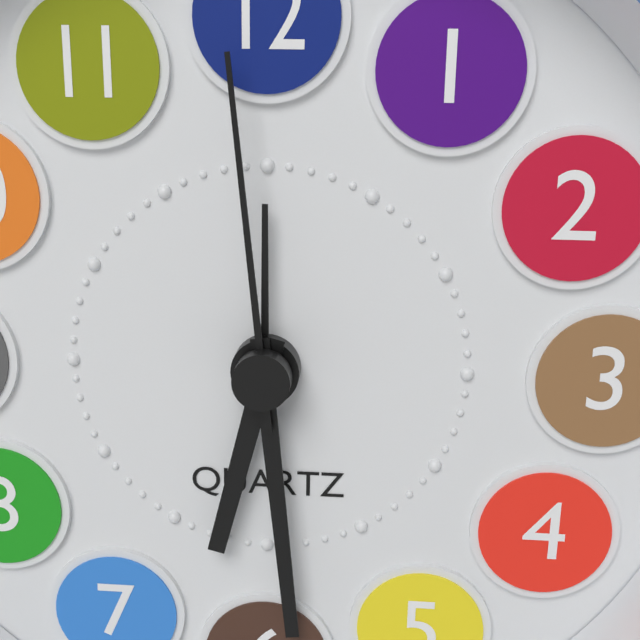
6 h 29 min 59 s
